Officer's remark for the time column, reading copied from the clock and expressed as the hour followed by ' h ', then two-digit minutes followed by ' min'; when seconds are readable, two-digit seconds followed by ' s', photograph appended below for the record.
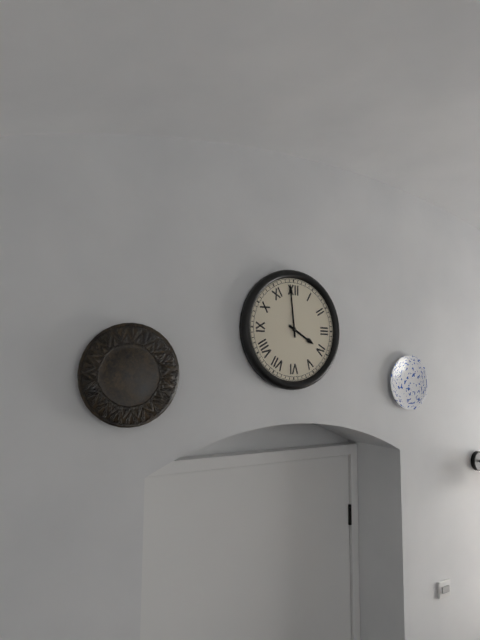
3 h 59 min
